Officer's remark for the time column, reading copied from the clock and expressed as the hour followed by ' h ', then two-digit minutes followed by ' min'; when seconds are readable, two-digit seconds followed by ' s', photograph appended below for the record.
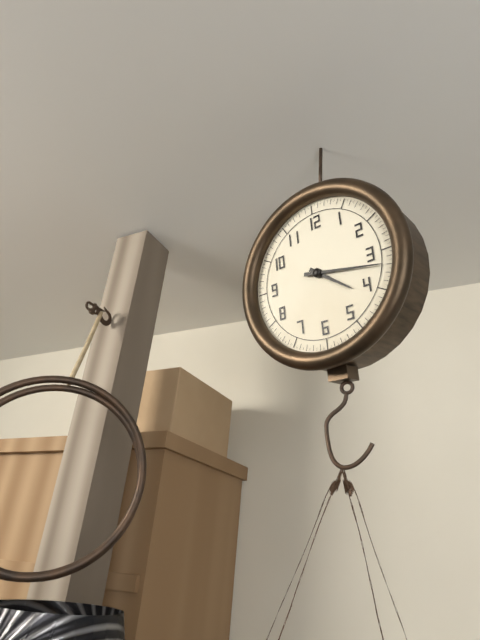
4 h 17 min
